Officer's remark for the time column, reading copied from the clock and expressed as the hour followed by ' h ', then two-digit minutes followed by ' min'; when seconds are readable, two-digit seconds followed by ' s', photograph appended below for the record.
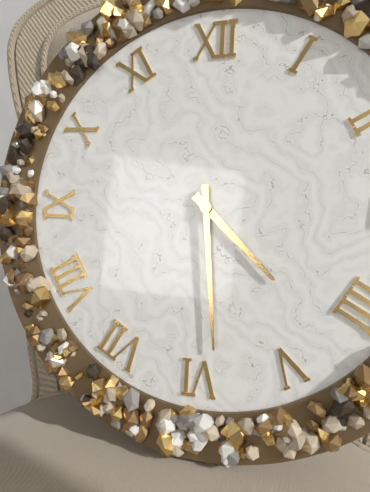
4 h 29 min
